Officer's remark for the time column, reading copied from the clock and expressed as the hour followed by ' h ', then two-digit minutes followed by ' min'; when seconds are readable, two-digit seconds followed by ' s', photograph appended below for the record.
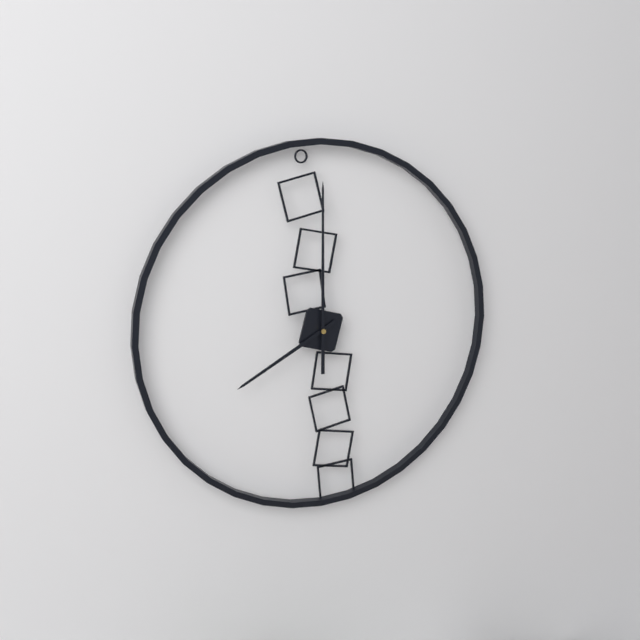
8 h 00 min
